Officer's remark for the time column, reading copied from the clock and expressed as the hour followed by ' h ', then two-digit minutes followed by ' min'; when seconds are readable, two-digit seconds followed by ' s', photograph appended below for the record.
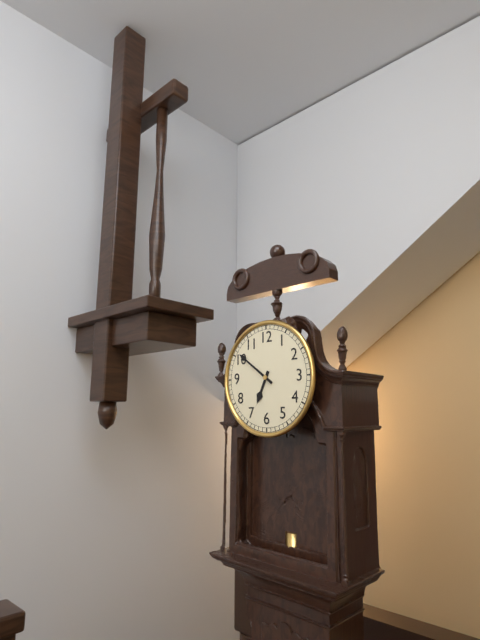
6 h 51 min
